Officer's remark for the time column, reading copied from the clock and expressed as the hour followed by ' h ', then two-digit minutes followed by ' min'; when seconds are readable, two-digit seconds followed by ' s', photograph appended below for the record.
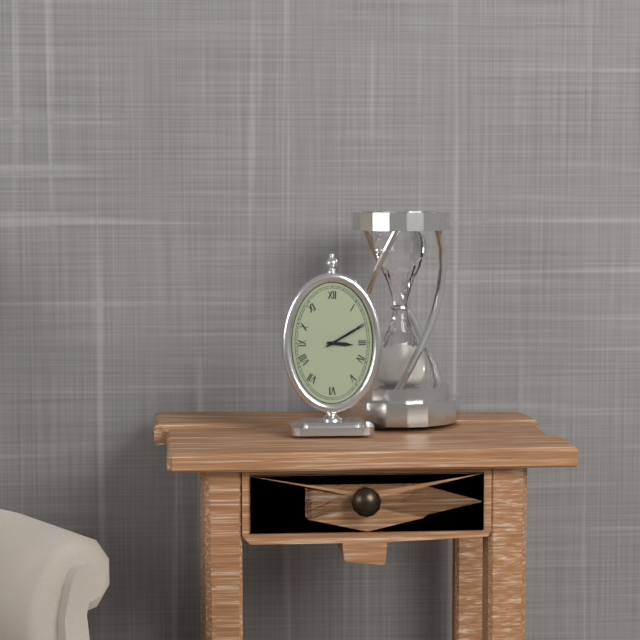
3 h 10 min
